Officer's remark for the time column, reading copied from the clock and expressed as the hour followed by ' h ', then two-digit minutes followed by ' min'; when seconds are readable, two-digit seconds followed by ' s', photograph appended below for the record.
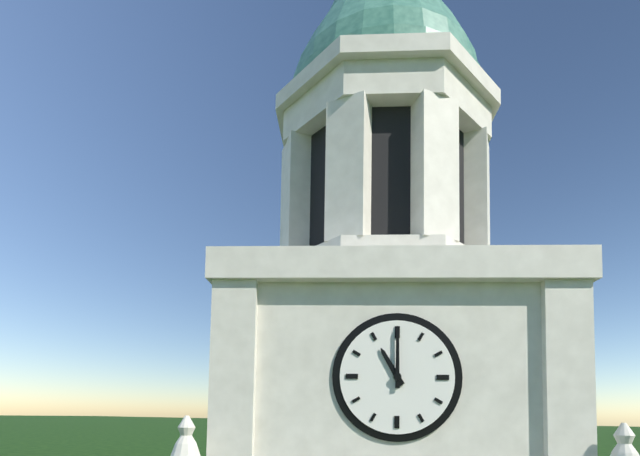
11 h 00 min
